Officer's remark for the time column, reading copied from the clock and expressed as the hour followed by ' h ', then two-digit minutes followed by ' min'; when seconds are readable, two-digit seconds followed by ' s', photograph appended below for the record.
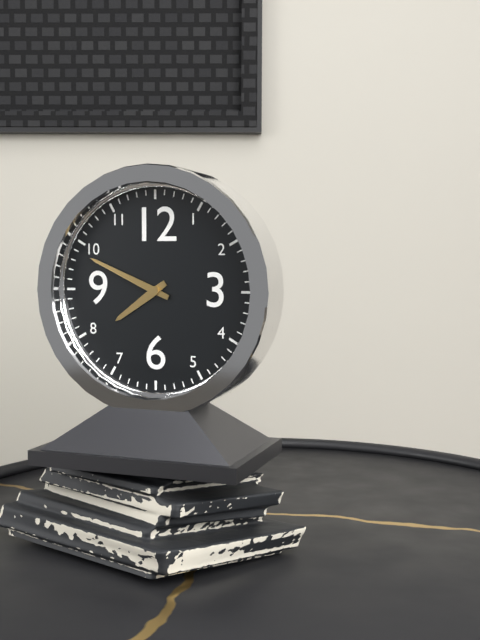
7 h 49 min
